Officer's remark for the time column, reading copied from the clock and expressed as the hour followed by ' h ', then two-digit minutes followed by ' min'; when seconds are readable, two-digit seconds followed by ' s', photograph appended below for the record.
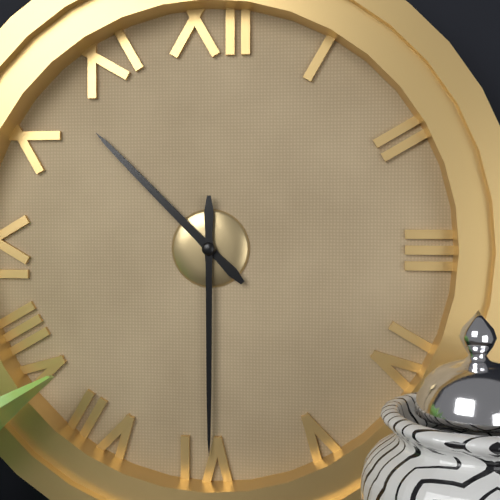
10 h 30 min
